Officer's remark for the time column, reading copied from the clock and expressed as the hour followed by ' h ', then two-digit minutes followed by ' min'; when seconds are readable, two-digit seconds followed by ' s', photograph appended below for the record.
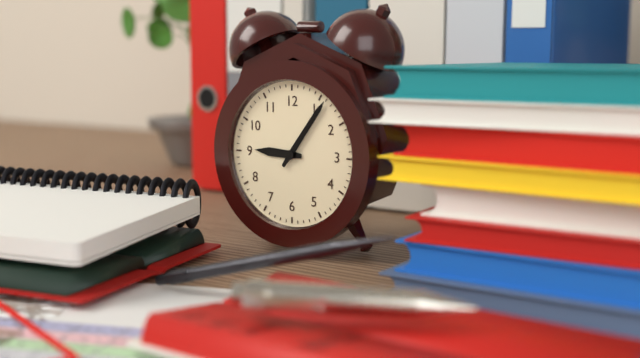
9 h 06 min
